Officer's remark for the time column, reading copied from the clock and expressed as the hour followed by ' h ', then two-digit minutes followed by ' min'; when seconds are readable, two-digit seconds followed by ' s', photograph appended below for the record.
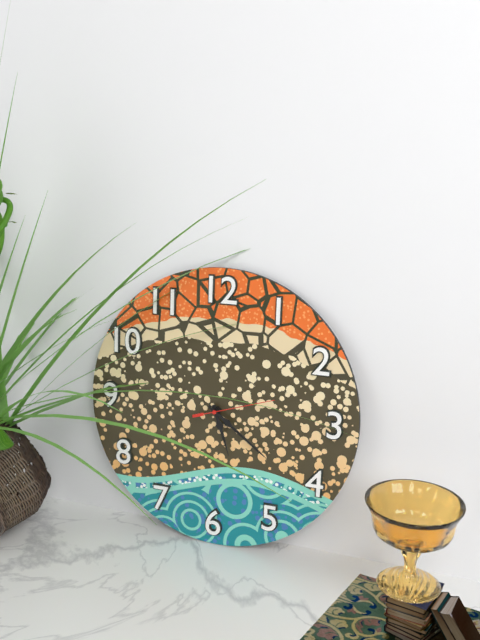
5 h 21 min 12 s
